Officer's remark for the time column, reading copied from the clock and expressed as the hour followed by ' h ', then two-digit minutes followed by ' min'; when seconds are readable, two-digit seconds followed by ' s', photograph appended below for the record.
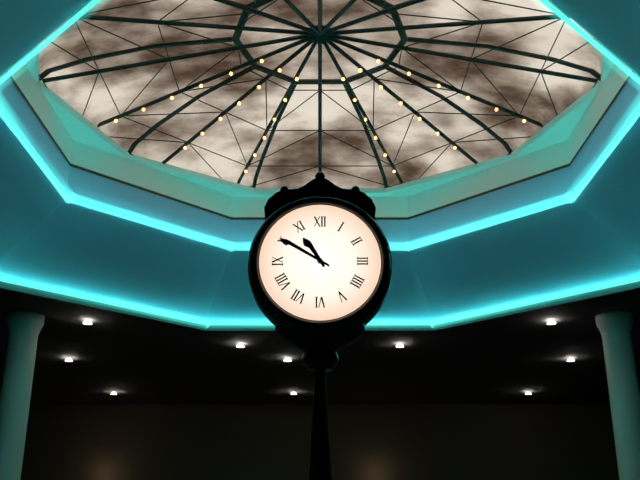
10 h 50 min
